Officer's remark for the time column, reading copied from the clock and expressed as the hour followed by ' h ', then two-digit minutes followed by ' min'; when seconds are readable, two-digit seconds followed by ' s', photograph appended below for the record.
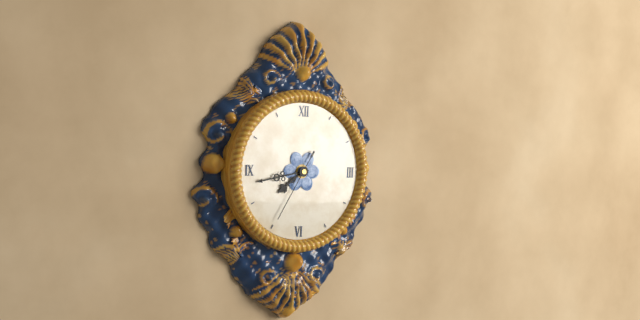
7 h 43 min 35 s
